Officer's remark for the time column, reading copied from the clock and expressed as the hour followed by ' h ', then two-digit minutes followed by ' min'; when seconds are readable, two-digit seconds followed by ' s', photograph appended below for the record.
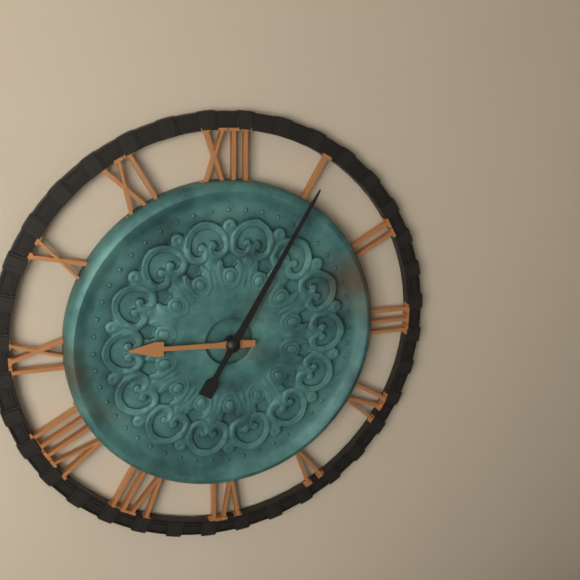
9 h 05 min
